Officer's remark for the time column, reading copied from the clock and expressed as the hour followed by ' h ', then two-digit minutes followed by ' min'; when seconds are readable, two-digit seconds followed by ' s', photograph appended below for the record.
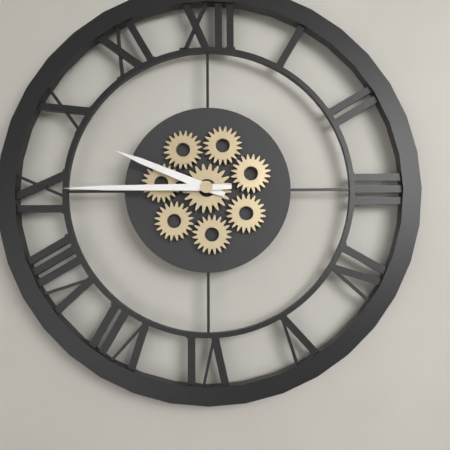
9 h 45 min
